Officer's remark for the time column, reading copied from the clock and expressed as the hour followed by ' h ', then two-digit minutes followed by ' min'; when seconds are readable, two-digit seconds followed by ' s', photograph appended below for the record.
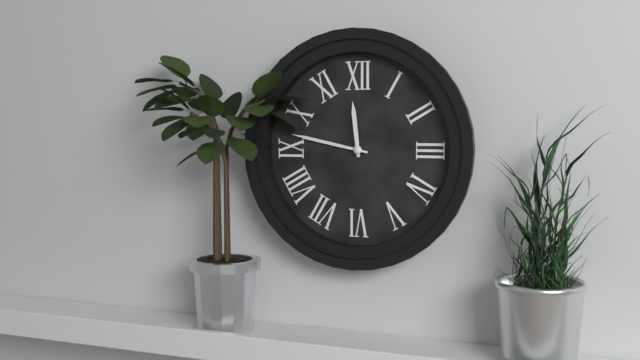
11 h 47 min
